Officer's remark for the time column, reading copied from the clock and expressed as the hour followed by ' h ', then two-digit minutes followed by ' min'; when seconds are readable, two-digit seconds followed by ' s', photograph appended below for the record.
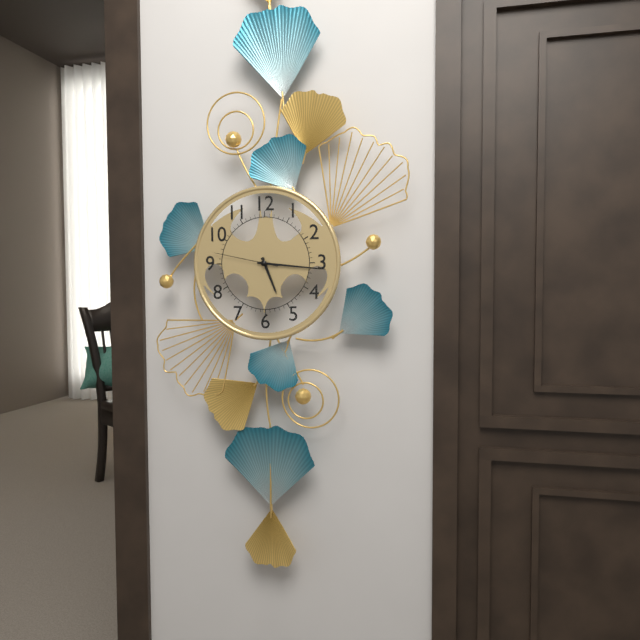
5 h 16 min 47 s
